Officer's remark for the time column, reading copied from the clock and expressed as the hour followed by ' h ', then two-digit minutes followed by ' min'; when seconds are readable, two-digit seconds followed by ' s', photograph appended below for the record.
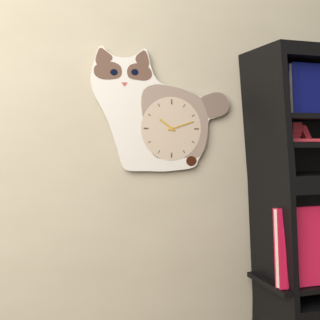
10 h 12 min
